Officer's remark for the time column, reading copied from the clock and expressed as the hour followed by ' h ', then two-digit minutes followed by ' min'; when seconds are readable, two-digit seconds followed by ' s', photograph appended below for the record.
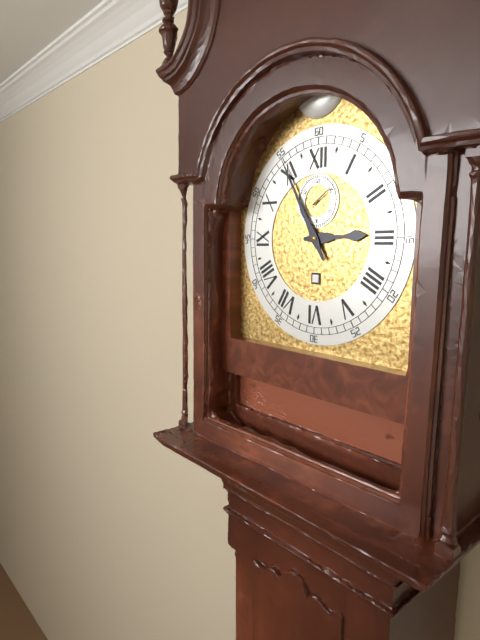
2 h 55 min
